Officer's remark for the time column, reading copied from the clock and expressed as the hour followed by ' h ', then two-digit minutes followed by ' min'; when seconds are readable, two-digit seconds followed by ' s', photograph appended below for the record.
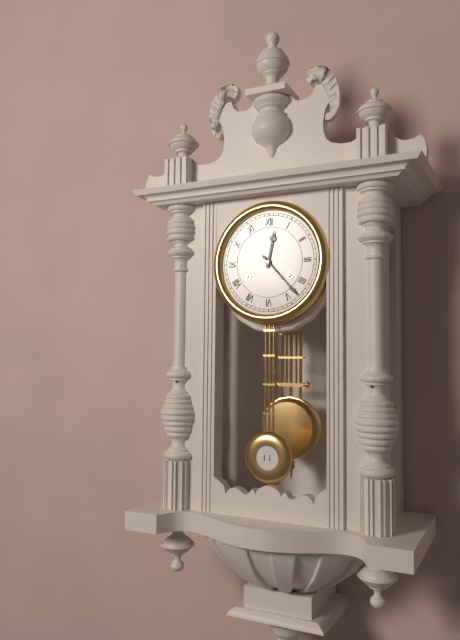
12 h 23 min
